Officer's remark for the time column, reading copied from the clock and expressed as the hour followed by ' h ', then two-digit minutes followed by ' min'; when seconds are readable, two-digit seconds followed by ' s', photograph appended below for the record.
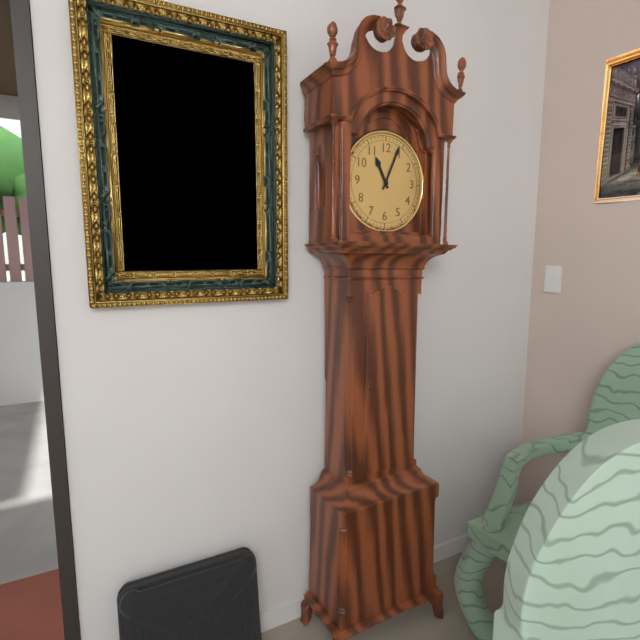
11 h 04 min
